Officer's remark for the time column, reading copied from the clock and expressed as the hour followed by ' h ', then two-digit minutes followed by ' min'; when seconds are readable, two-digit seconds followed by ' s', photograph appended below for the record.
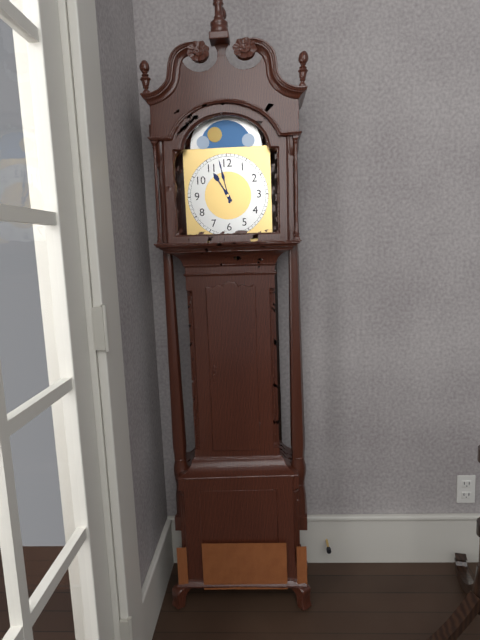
10 h 58 min
